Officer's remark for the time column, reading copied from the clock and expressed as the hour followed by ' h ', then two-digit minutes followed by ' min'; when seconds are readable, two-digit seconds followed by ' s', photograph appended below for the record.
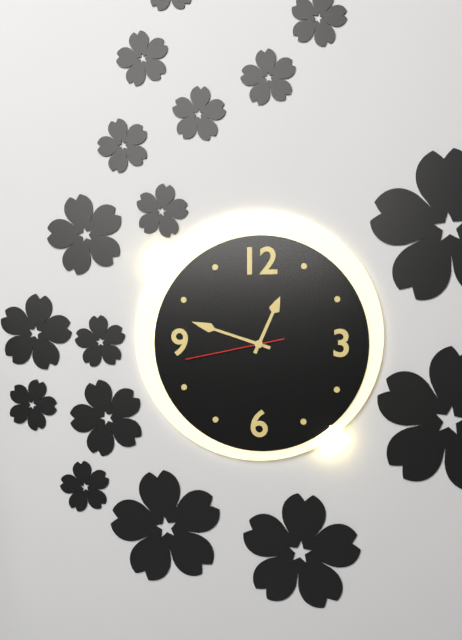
12 h 48 min 43 s
